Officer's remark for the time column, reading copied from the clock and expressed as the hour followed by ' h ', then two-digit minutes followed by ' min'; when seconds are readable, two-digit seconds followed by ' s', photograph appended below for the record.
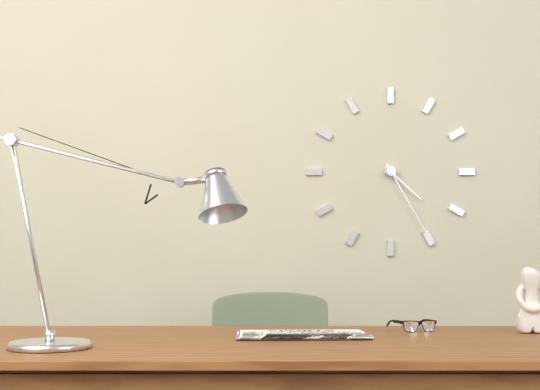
4 h 25 min
